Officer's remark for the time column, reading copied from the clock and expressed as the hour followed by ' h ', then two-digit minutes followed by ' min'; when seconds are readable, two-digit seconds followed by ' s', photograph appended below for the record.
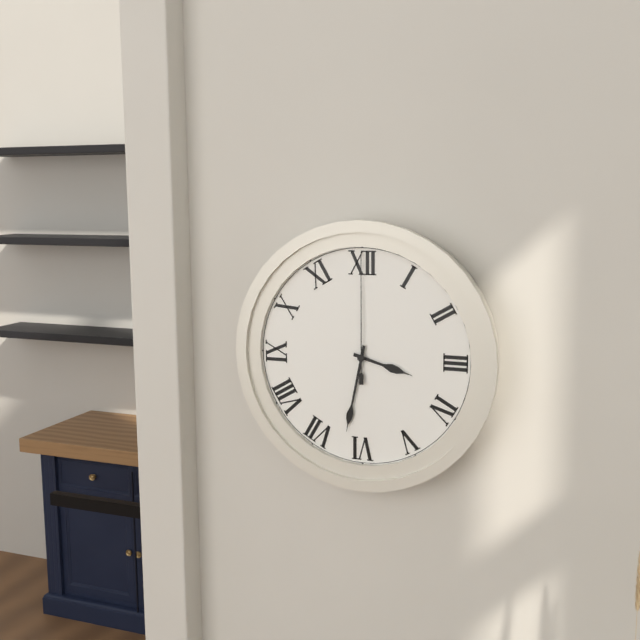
3 h 32 min 00 s
